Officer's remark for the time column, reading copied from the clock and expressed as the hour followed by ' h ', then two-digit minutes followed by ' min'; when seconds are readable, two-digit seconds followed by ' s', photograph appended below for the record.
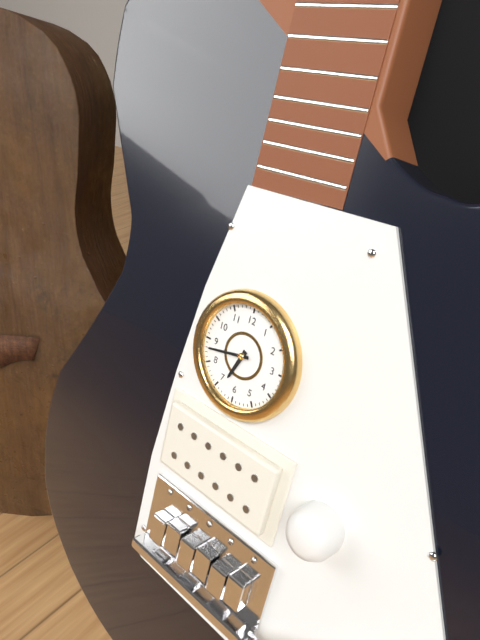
6 h 43 min
